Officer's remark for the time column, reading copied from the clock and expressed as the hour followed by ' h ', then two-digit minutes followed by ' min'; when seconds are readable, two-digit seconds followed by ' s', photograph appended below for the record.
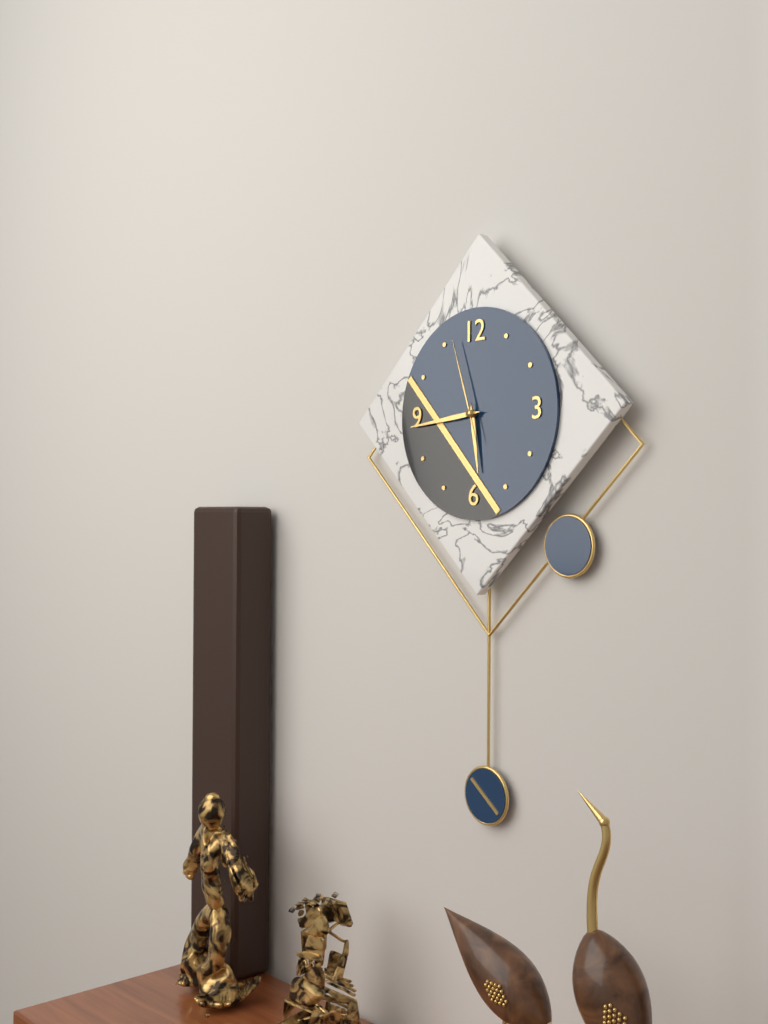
5 h 44 min 57 s
